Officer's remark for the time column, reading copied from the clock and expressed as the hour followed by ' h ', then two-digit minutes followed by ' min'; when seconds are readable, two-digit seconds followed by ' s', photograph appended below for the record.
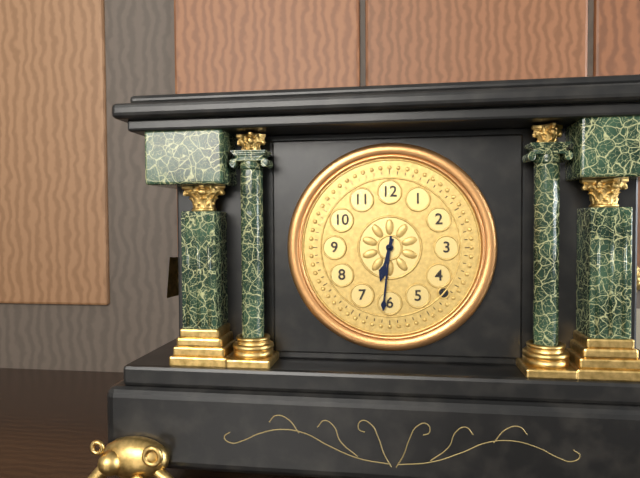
6 h 31 min
